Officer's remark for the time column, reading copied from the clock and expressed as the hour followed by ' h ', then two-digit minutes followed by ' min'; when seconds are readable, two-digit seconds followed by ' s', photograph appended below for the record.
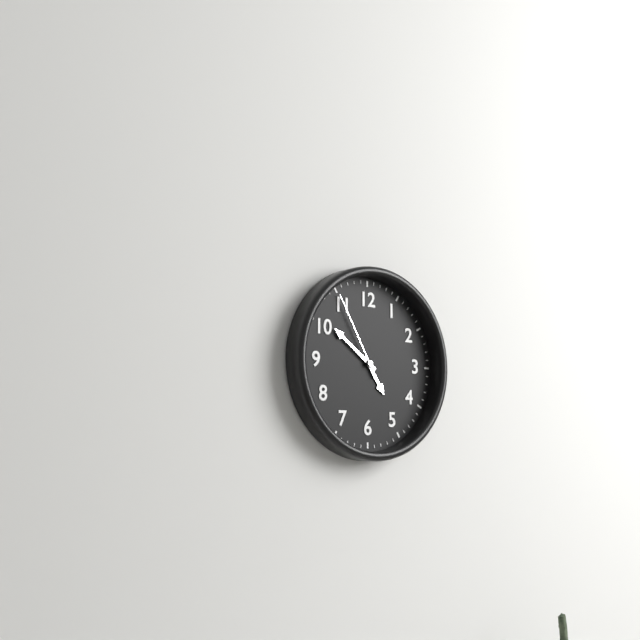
4 h 51 min 55 s
